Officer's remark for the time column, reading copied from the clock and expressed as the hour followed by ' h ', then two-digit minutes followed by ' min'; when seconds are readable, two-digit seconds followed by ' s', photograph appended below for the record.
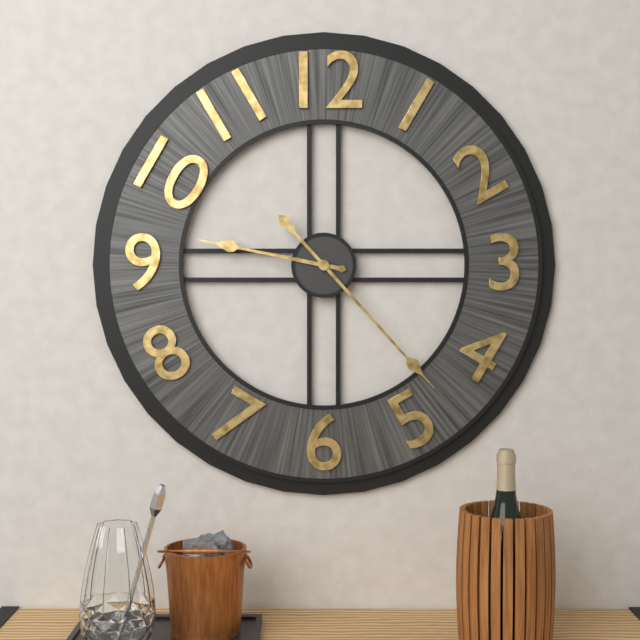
9 h 23 min
